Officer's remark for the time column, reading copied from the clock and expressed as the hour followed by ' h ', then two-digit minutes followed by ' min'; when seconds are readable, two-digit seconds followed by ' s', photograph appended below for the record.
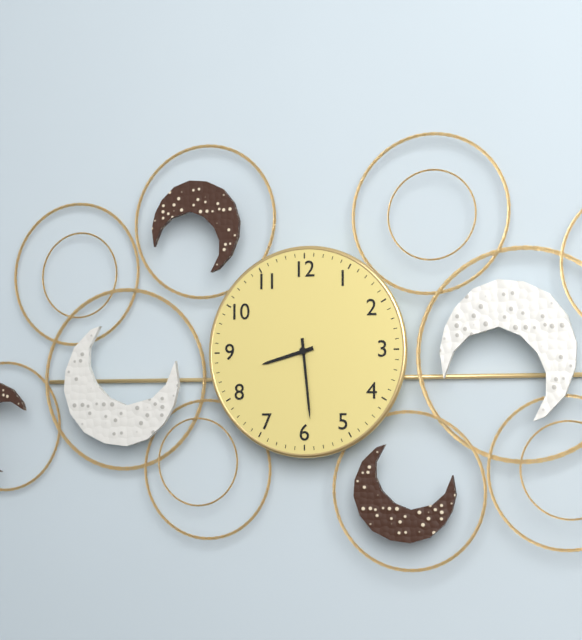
8 h 29 min
